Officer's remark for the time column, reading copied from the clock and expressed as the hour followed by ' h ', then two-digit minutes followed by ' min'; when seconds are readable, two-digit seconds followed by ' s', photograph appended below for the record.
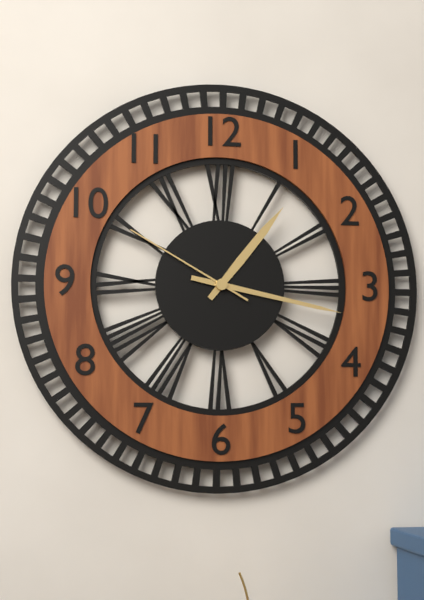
1 h 17 min 50 s
